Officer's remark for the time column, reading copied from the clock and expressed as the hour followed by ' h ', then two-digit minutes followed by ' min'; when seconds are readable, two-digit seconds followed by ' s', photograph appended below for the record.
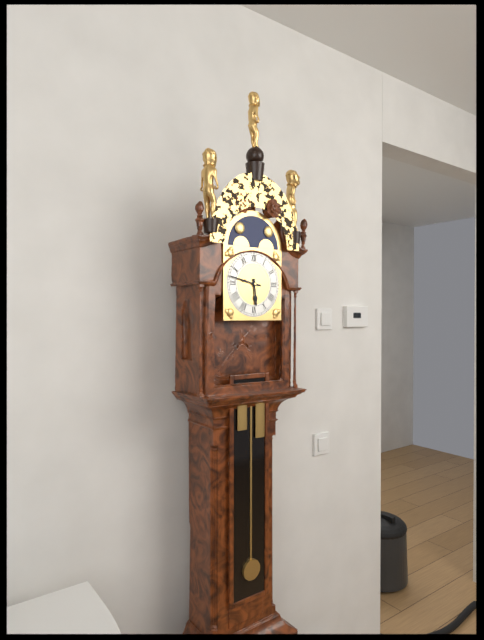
5 h 47 min
